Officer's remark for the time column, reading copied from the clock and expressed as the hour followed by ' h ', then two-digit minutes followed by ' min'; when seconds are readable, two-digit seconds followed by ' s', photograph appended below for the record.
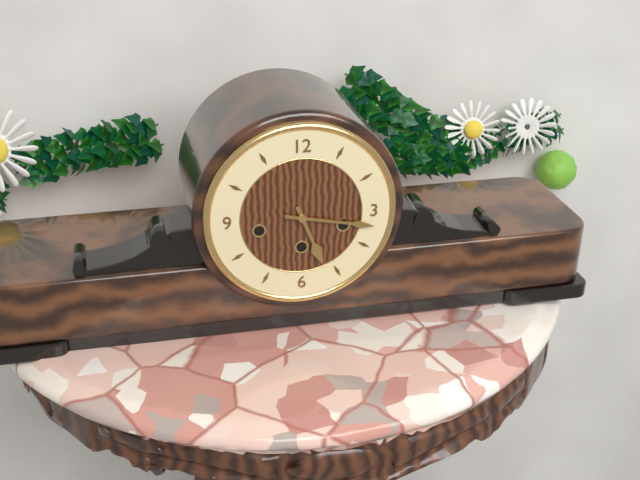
5 h 17 min
